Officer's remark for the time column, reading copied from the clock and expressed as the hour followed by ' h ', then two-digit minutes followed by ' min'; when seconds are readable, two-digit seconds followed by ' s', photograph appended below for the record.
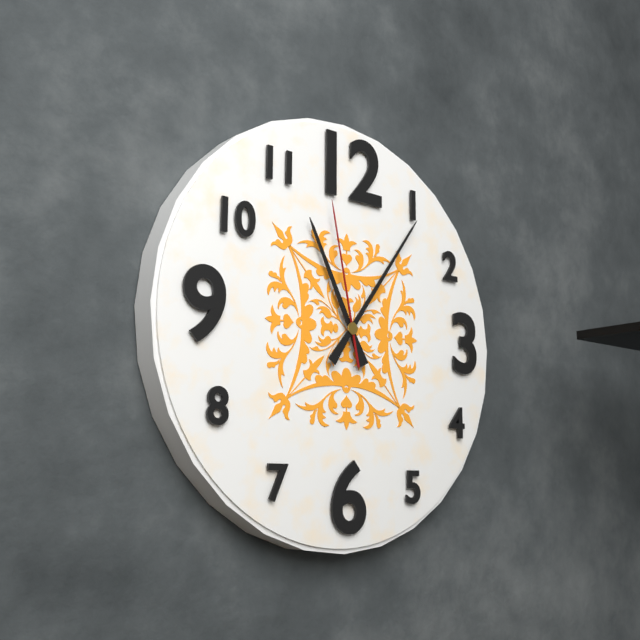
11 h 06 min 58 s
